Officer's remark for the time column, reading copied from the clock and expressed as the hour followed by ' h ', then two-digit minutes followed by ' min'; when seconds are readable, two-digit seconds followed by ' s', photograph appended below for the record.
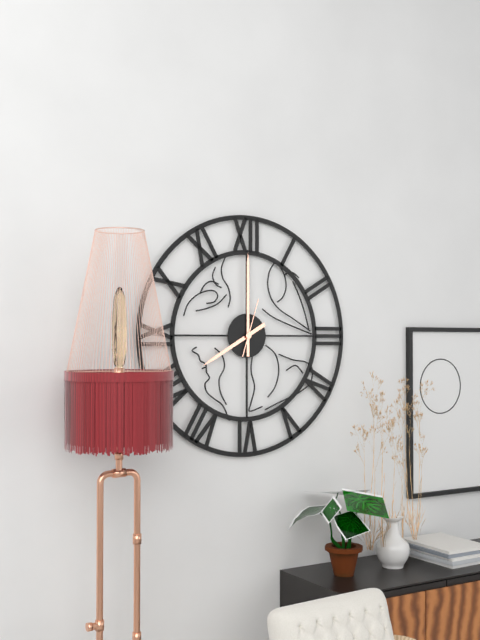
8 h 00 min
